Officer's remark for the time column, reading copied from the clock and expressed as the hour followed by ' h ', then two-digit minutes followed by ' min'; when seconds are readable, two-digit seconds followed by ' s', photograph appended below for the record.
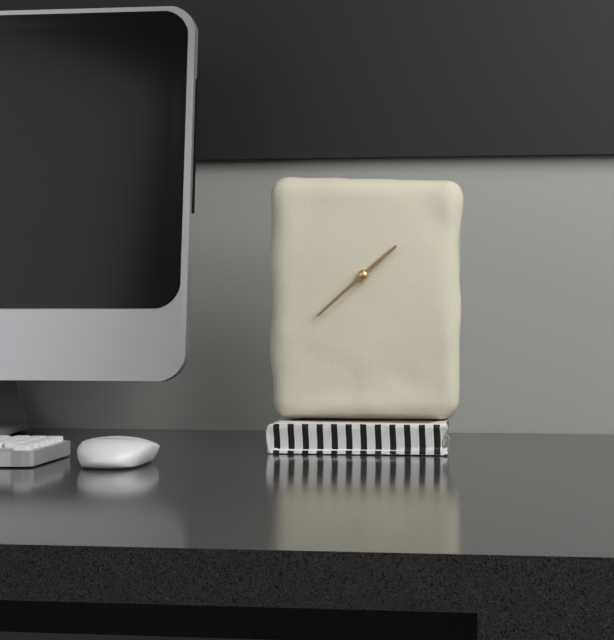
1 h 38 min
